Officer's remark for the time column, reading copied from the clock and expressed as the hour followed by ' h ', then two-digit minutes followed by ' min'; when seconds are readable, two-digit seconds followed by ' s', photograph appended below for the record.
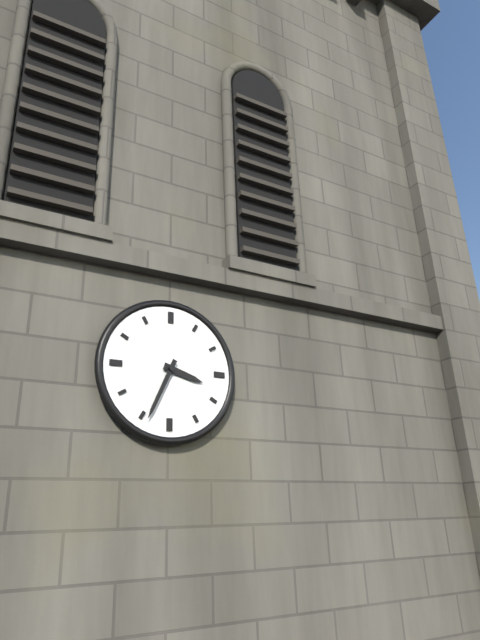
3 h 34 min
